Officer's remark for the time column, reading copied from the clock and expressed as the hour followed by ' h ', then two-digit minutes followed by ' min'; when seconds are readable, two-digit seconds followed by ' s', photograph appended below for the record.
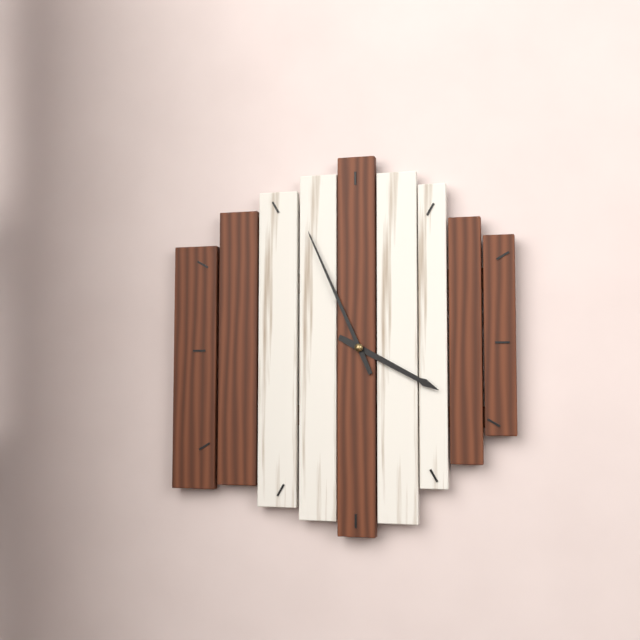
3 h 56 min
